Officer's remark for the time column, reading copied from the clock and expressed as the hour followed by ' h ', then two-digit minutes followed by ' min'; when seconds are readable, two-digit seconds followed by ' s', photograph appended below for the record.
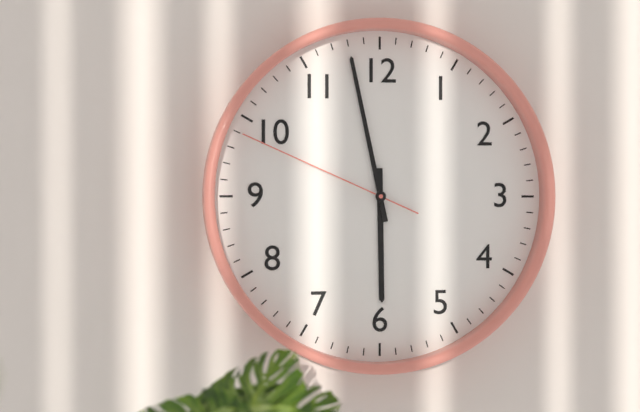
5 h 58 min 49 s
